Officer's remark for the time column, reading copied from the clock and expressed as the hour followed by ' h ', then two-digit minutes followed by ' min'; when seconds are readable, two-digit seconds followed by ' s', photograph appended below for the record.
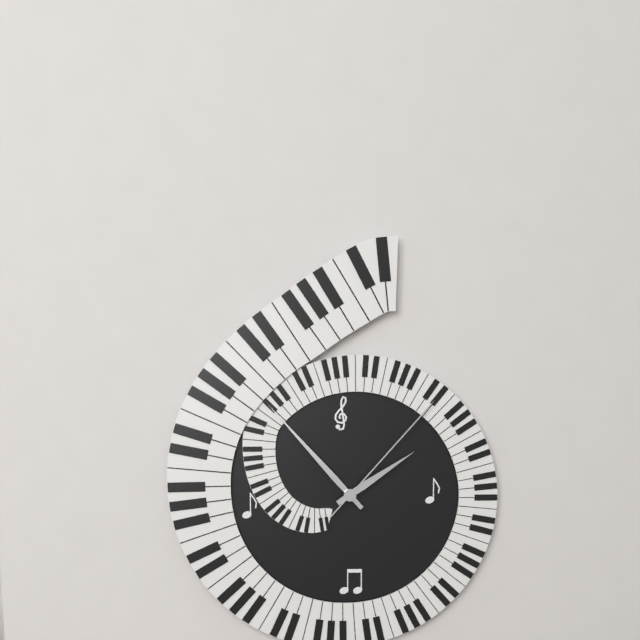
1 h 53 min 07 s
